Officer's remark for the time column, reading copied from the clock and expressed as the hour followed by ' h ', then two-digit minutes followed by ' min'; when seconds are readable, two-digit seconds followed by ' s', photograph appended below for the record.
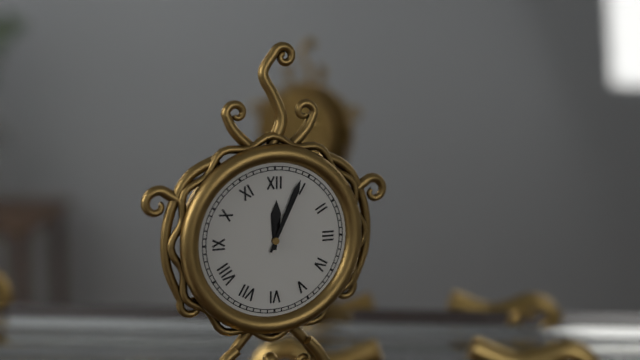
12 h 04 min
